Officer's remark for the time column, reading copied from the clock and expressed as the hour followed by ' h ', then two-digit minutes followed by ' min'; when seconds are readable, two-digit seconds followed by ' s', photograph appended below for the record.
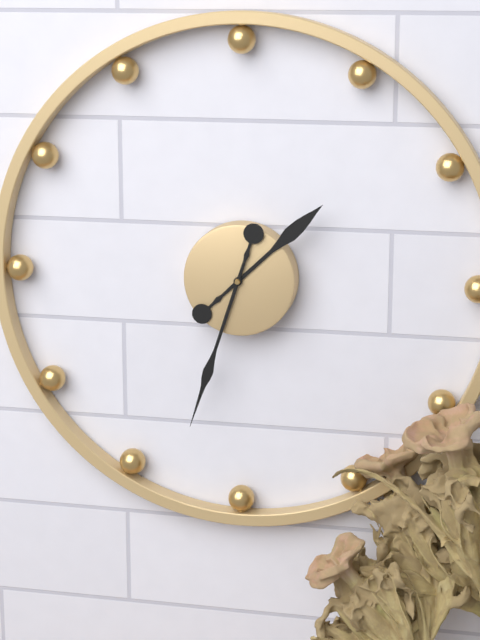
1 h 33 min
